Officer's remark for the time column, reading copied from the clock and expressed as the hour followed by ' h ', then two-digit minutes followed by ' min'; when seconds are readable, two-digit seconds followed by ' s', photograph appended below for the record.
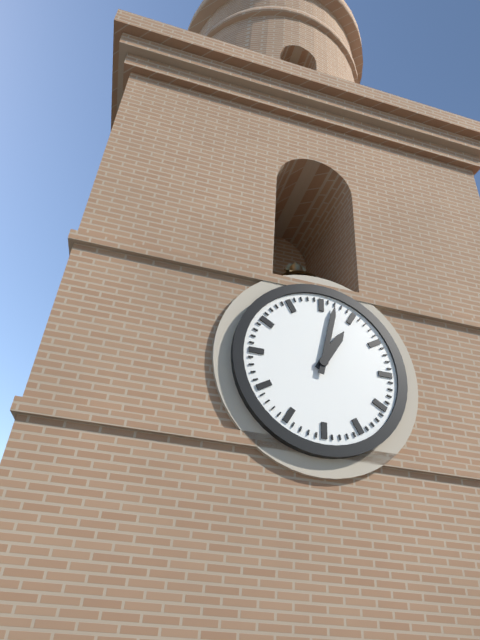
1 h 02 min
